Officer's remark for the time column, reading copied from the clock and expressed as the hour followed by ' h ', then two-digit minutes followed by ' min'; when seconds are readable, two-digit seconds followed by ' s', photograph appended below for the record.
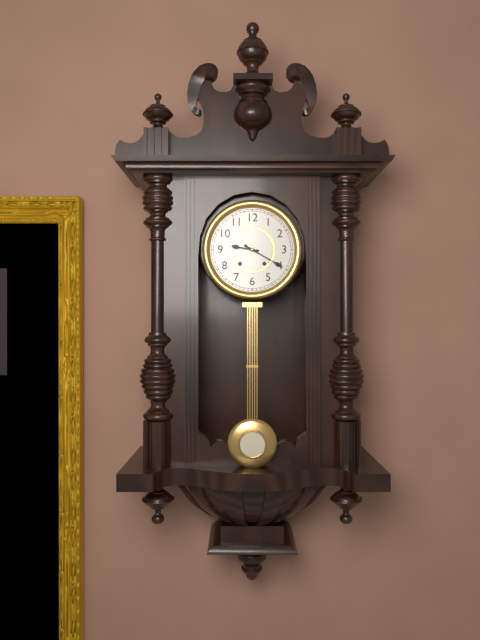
9 h 20 min
